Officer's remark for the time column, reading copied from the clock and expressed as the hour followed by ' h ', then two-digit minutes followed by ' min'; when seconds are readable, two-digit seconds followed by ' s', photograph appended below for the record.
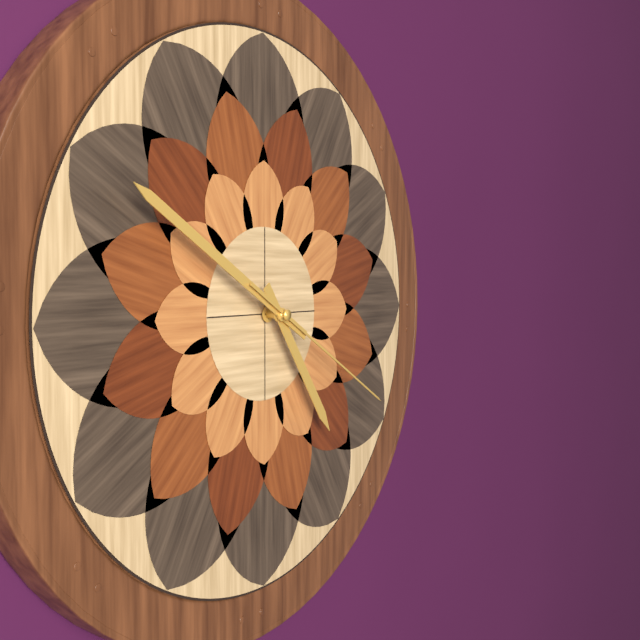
4 h 50 min 20 s
